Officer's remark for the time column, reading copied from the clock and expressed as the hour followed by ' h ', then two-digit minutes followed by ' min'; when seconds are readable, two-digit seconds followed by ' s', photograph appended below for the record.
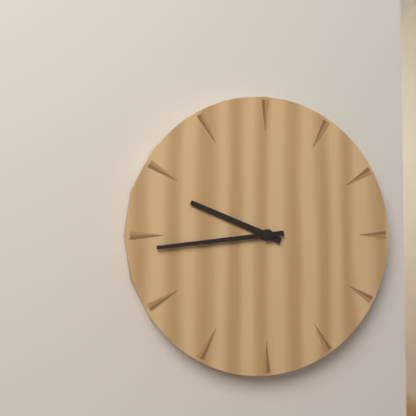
9 h 44 min
